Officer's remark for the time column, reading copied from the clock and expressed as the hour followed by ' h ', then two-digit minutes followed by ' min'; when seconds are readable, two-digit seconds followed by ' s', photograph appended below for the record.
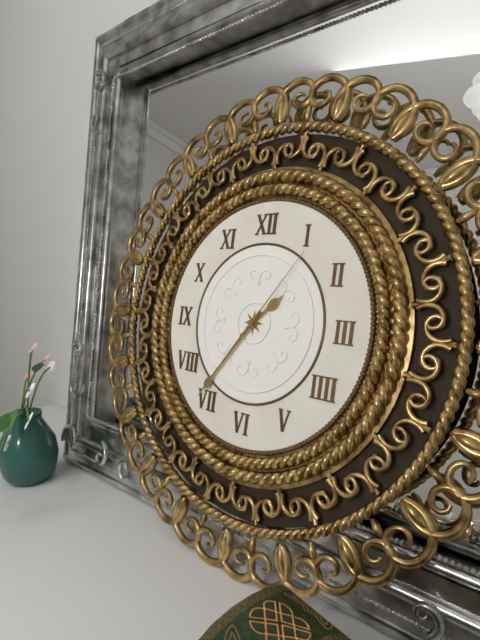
1 h 36 min 06 s
